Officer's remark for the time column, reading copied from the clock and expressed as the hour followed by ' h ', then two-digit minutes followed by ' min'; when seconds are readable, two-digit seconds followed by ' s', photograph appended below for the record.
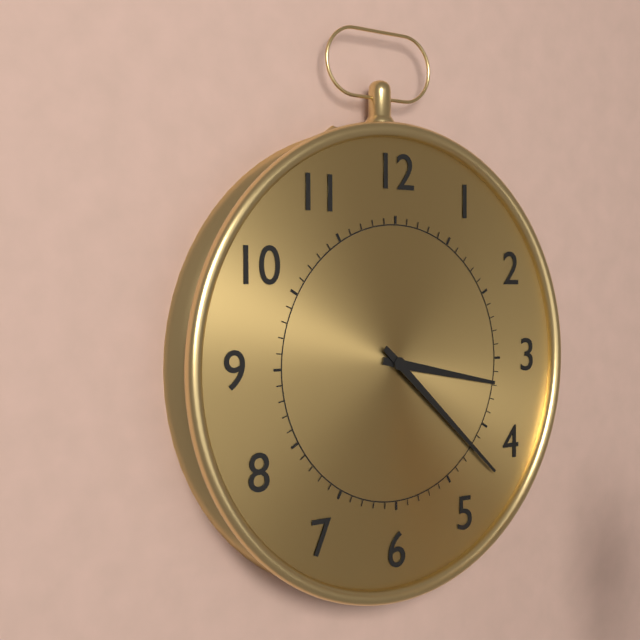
3 h 22 min
